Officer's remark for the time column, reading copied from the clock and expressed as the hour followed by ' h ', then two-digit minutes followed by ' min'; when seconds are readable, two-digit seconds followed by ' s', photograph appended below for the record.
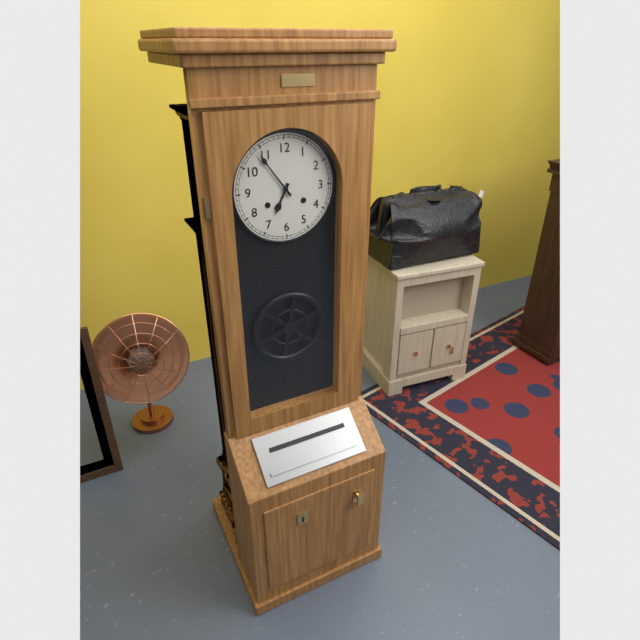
6 h 54 min
